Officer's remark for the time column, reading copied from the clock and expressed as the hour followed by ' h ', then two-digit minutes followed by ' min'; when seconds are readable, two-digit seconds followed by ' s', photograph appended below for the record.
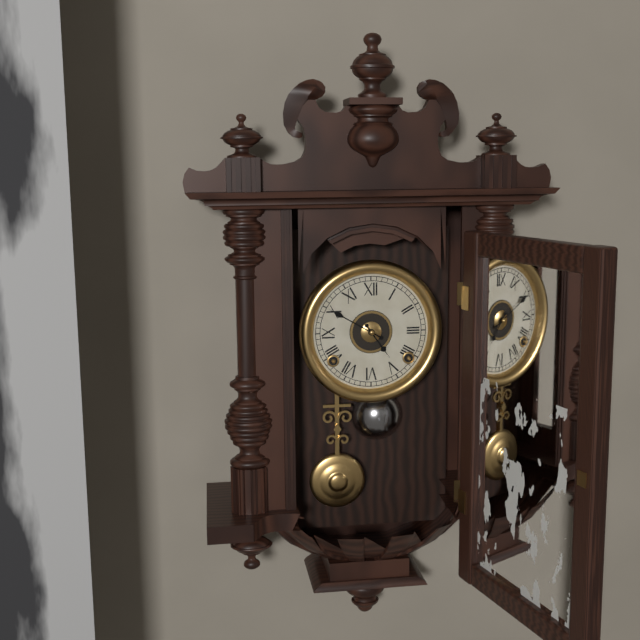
4 h 50 min
